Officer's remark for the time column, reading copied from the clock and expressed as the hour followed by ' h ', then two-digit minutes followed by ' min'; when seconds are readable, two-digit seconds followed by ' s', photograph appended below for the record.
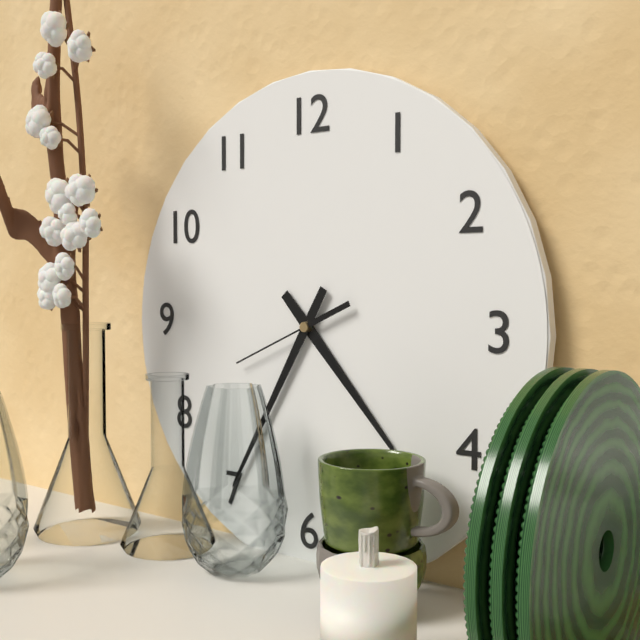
4 h 35 min 41 s
